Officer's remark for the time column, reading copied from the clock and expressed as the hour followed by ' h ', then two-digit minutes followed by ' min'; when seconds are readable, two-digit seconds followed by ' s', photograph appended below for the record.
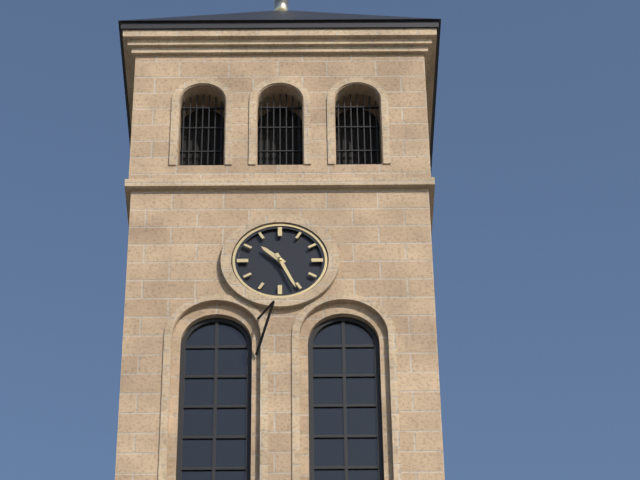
10 h 26 min
